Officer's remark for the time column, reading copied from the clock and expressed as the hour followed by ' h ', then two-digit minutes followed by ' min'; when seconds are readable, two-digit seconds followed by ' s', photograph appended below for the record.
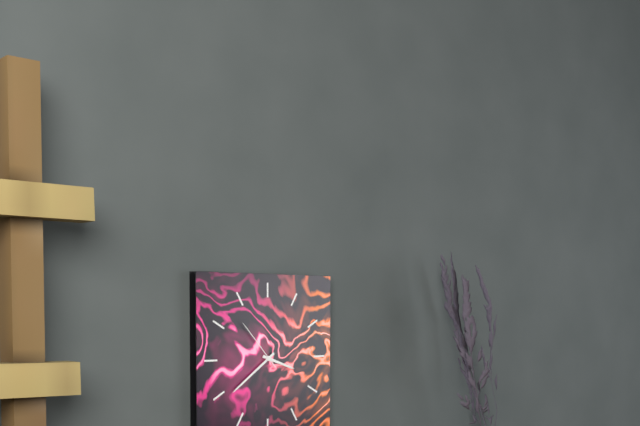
3 h 39 min 53 s
